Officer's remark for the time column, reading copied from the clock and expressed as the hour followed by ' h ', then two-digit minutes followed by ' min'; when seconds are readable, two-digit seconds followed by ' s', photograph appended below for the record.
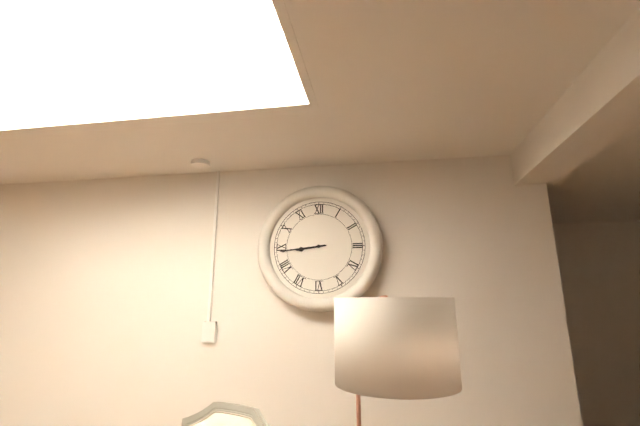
8 h 44 min
